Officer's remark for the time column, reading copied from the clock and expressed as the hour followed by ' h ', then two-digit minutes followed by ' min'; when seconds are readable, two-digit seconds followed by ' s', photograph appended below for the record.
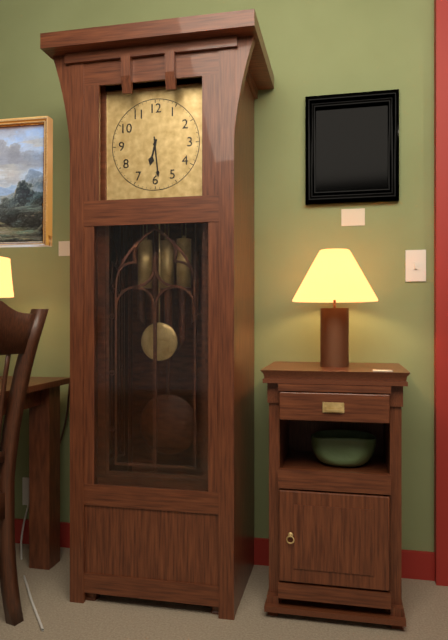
6 h 29 min
